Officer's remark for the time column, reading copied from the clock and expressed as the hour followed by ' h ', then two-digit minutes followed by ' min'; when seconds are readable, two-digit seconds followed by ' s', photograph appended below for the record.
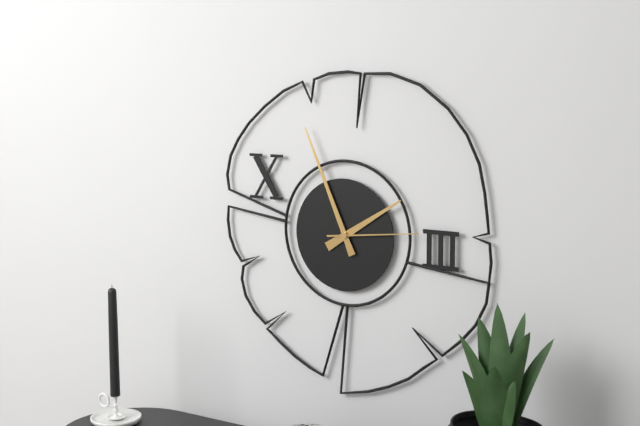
1 h 56 min 14 s
